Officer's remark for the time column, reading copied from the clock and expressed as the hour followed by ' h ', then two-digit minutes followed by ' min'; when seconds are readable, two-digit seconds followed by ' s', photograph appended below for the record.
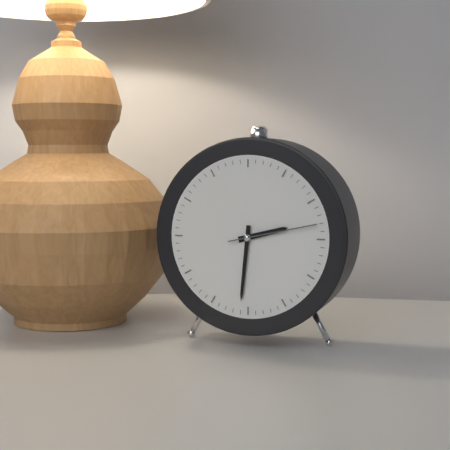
2 h 31 min 13 s
